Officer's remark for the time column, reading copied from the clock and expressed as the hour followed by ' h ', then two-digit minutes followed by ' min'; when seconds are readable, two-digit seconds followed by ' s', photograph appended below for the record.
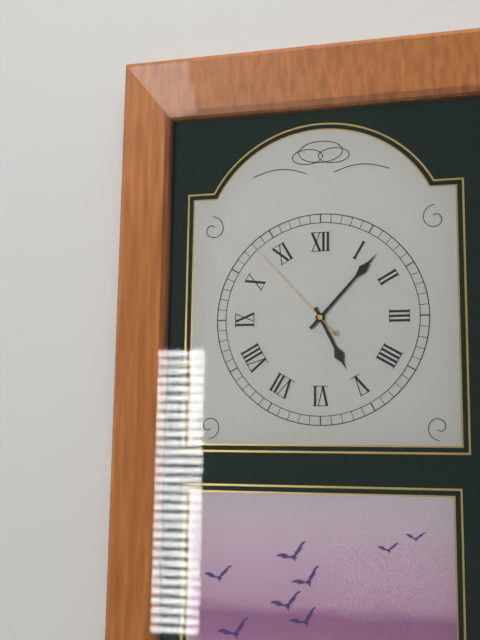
5 h 07 min 53 s
